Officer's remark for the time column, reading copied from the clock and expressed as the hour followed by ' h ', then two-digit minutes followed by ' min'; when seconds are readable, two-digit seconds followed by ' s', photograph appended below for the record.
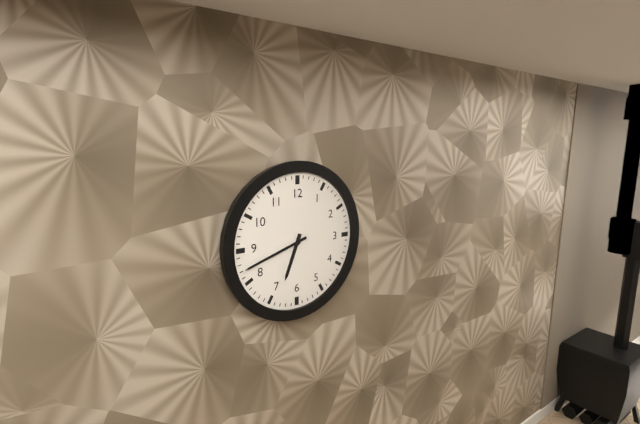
6 h 42 min
